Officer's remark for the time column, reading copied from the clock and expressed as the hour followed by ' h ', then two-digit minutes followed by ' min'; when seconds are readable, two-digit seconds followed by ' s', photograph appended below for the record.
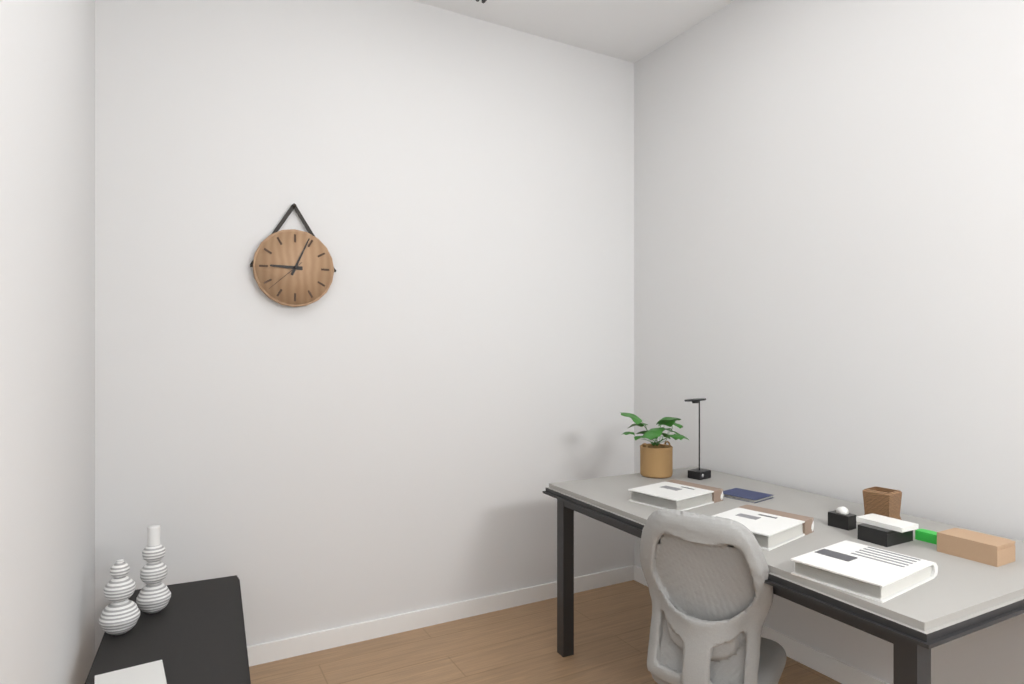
9 h 04 min
